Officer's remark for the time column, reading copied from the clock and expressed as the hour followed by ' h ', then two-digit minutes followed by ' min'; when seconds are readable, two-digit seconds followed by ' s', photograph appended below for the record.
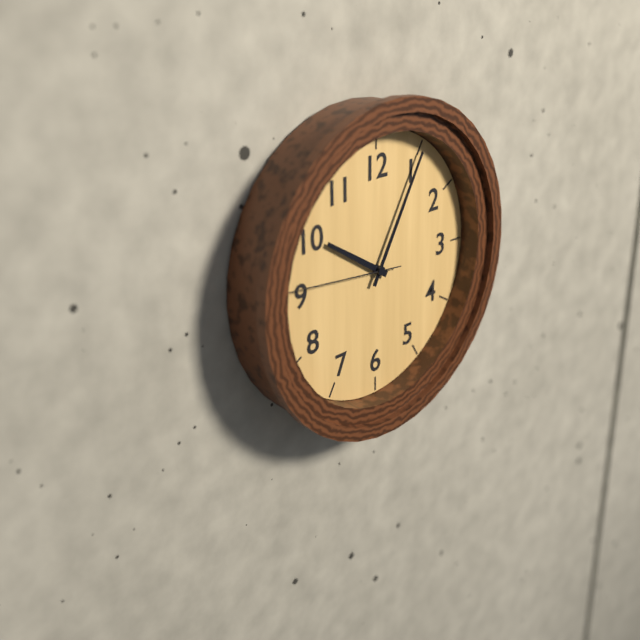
10 h 05 min 46 s
